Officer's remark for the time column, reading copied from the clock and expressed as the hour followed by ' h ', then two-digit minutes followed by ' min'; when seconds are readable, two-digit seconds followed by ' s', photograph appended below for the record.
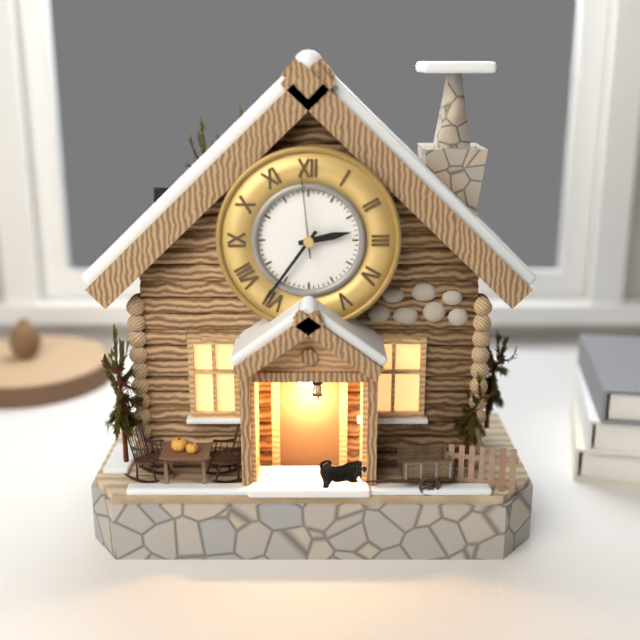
2 h 36 min 59 s
